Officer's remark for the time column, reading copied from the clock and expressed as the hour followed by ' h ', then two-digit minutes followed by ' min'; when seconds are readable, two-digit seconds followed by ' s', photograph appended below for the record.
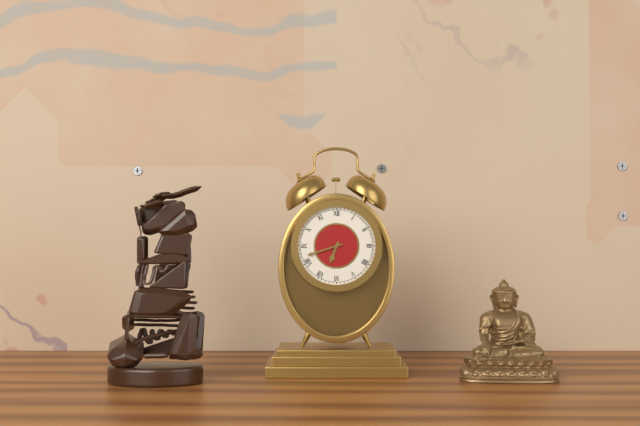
6 h 42 min
